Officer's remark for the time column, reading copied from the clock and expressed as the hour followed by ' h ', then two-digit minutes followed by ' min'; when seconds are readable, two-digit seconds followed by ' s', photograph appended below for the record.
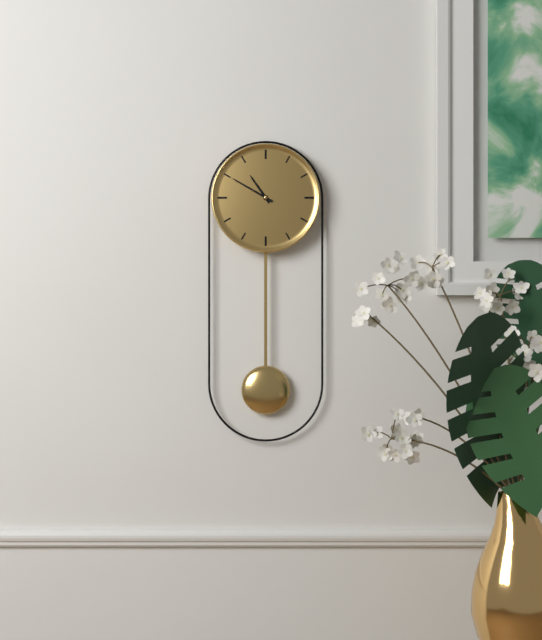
10 h 50 min
